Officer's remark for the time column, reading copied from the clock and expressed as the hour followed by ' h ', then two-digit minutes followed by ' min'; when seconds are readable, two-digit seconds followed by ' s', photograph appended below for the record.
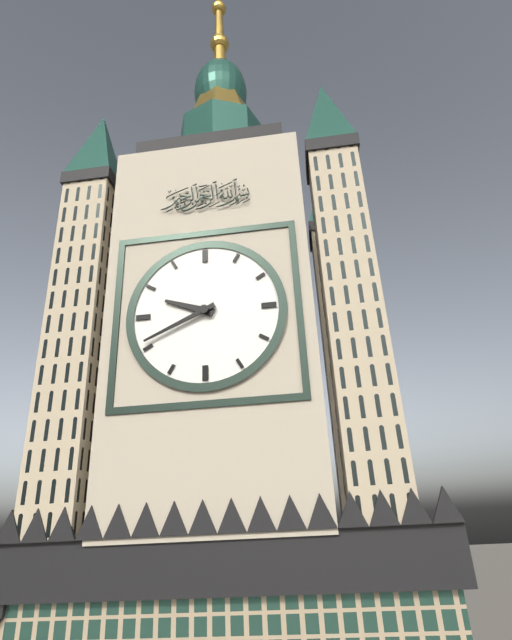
9 h 41 min
